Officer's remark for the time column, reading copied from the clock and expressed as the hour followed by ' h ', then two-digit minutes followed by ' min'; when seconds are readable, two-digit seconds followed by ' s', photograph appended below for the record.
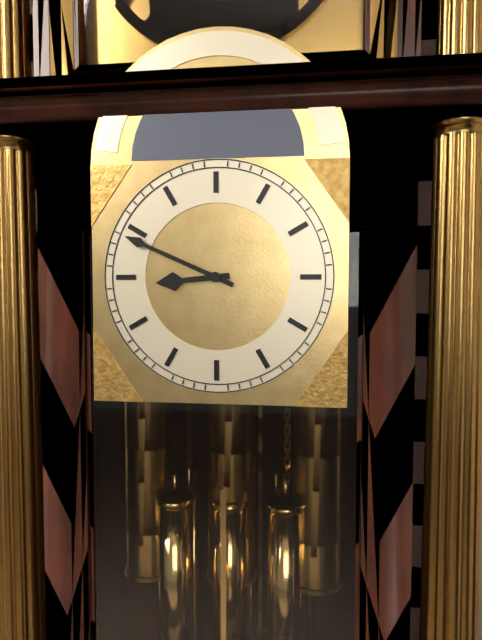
8 h 49 min
